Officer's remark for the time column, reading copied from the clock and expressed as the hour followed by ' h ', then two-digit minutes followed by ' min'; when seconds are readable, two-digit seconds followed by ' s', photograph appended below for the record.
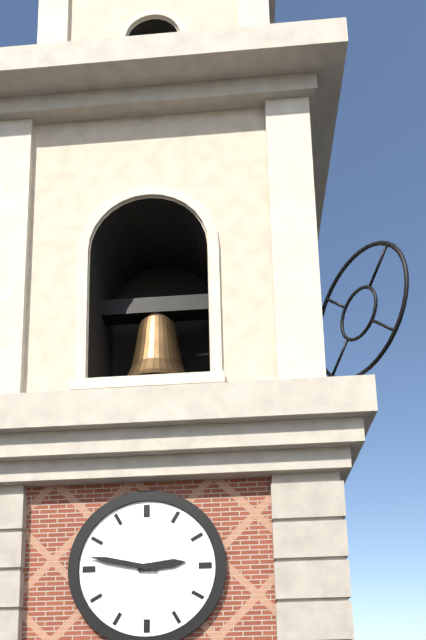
2 h 47 min
